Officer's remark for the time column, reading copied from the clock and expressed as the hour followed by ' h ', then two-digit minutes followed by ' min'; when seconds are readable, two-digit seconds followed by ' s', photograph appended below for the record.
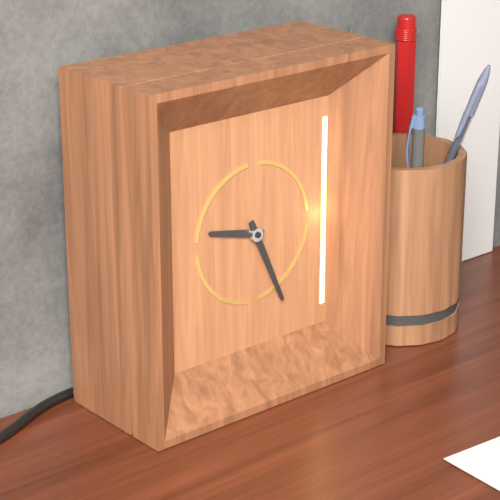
9 h 26 min
